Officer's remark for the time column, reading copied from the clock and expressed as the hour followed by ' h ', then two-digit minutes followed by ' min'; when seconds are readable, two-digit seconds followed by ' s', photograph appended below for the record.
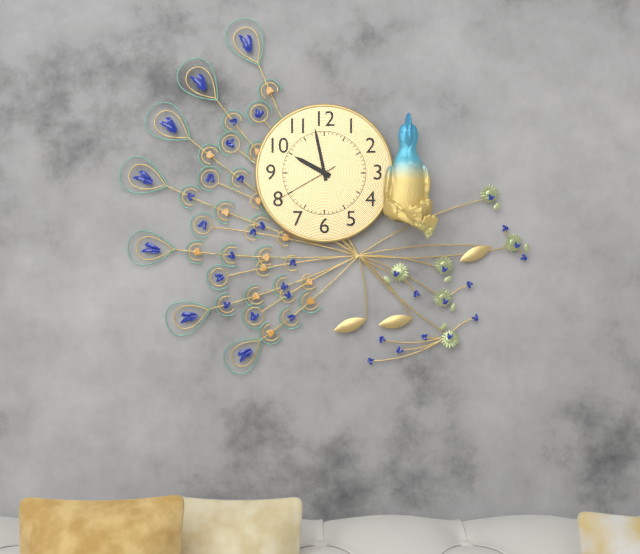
9 h 58 min 40 s
